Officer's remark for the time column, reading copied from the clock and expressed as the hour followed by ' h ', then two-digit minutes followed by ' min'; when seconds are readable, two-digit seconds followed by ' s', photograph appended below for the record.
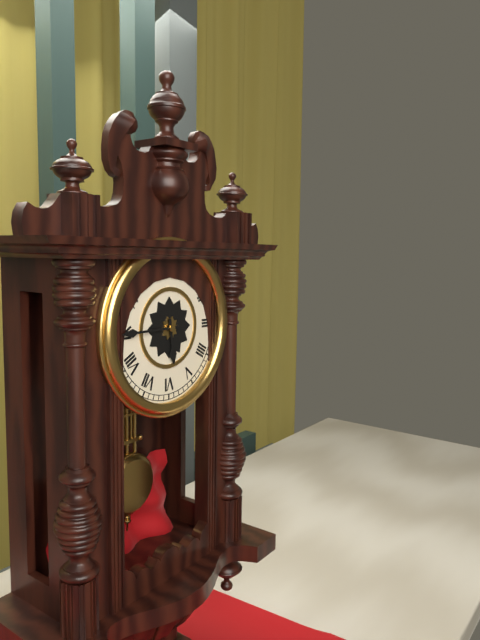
5 h 45 min
